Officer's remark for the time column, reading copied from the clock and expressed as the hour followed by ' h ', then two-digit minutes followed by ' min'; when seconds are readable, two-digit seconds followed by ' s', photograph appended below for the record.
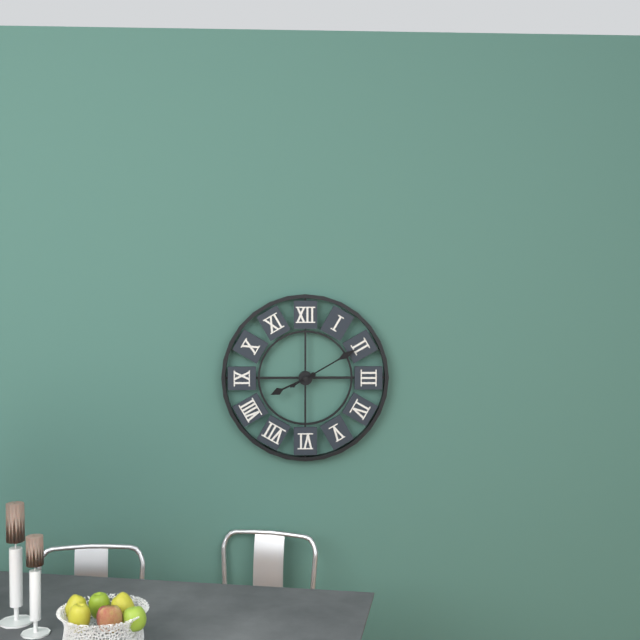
8 h 10 min
